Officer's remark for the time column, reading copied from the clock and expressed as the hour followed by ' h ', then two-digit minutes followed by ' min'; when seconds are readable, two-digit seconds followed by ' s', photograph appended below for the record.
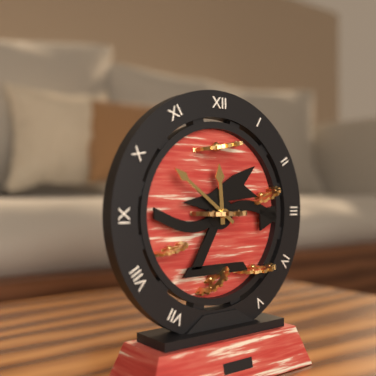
11 h 51 min
